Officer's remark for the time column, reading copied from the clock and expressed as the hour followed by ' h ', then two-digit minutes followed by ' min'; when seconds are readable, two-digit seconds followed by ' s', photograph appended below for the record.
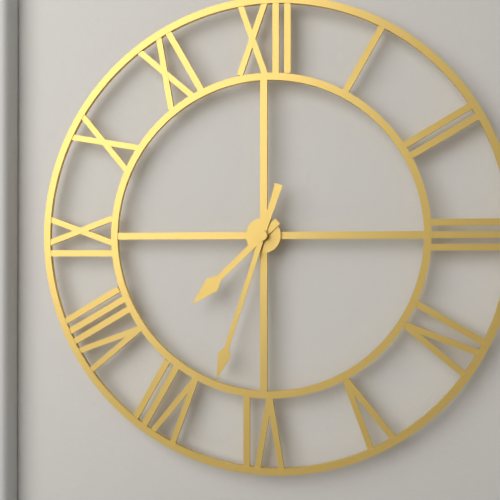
7 h 33 min
